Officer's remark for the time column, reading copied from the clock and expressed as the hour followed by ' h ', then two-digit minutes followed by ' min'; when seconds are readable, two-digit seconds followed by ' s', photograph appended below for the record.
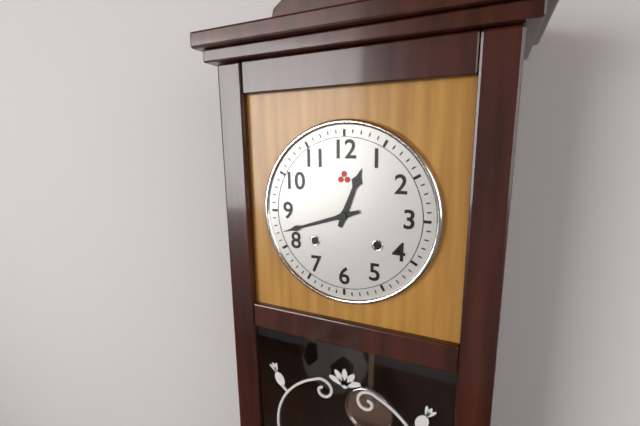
12 h 42 min
